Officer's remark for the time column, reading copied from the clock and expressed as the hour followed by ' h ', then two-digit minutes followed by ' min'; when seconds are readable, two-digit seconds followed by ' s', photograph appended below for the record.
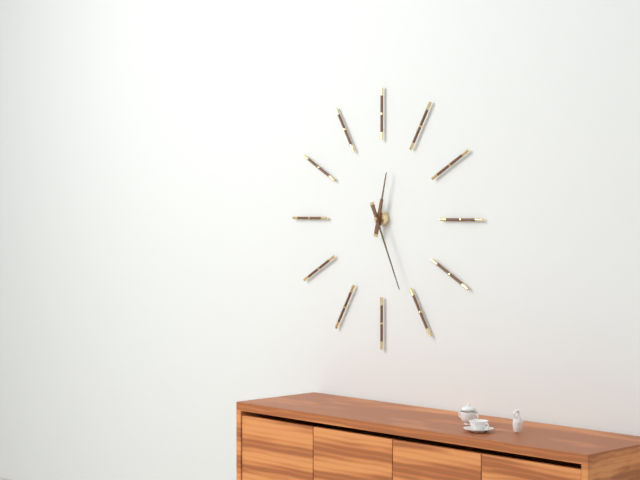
12 h 26 min
